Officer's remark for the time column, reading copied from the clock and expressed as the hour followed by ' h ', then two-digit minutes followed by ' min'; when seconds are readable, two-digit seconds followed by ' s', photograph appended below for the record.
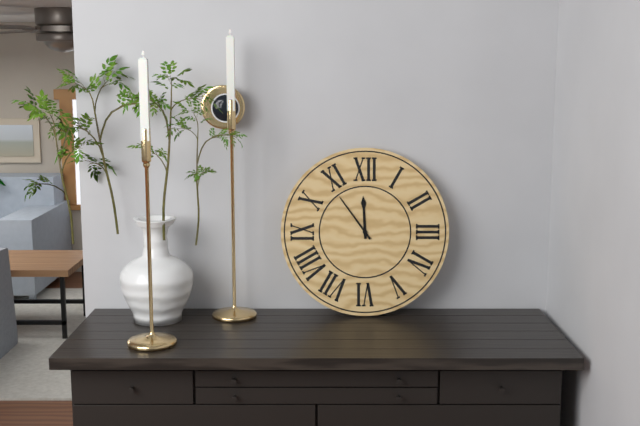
11 h 54 min
